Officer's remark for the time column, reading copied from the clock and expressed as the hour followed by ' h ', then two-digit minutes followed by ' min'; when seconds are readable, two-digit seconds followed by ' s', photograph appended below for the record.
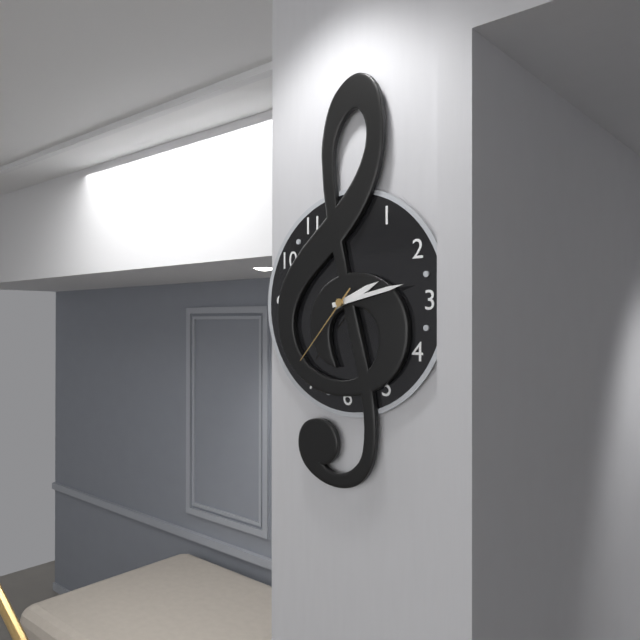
2 h 13 min 37 s
